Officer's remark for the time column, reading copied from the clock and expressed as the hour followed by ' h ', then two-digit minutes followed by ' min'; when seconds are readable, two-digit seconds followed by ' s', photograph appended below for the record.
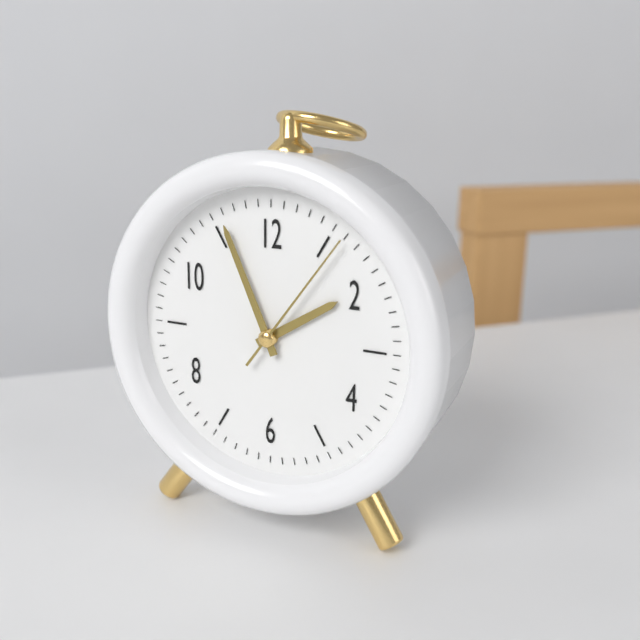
1 h 56 min 06 s
